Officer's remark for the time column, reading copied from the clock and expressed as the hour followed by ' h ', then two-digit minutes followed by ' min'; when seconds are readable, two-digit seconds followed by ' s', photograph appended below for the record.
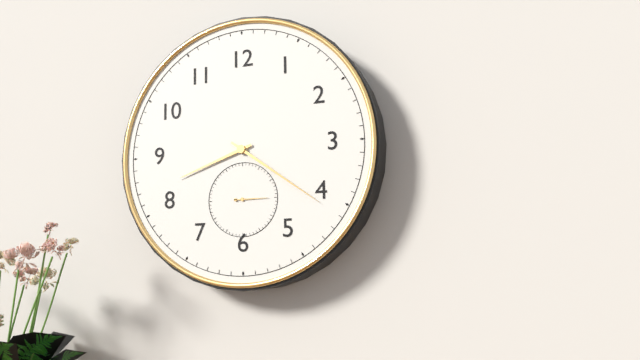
8 h 21 min
